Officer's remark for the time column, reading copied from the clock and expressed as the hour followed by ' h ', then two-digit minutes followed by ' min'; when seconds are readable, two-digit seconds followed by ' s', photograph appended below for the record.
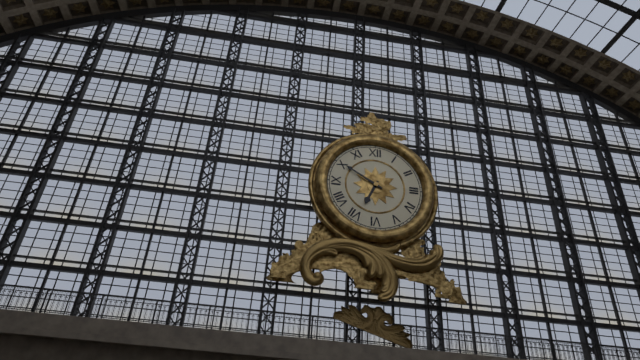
6 h 50 min
